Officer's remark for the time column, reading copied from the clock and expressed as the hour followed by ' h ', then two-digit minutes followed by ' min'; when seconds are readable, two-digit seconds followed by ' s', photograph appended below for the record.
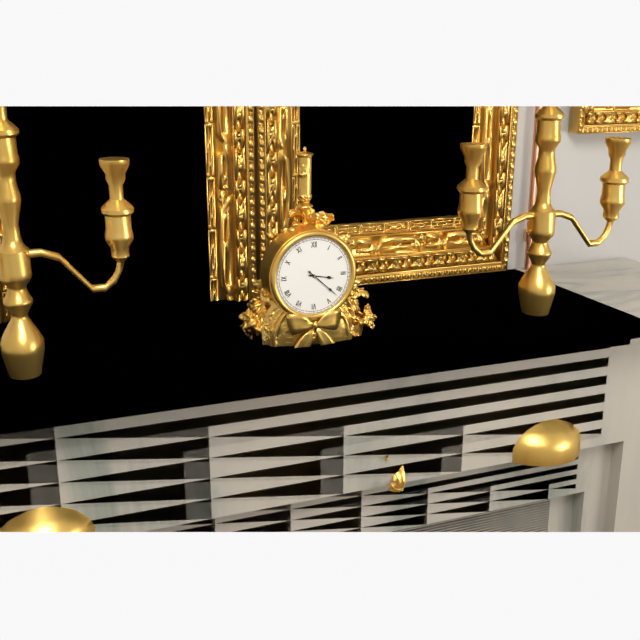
3 h 22 min
